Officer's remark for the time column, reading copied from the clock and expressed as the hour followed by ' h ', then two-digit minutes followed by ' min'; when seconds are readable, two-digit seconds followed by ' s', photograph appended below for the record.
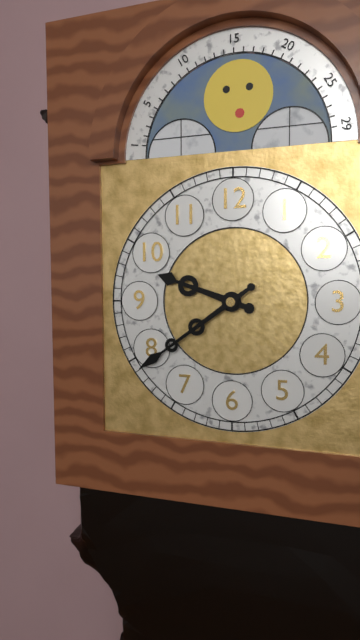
9 h 39 min
